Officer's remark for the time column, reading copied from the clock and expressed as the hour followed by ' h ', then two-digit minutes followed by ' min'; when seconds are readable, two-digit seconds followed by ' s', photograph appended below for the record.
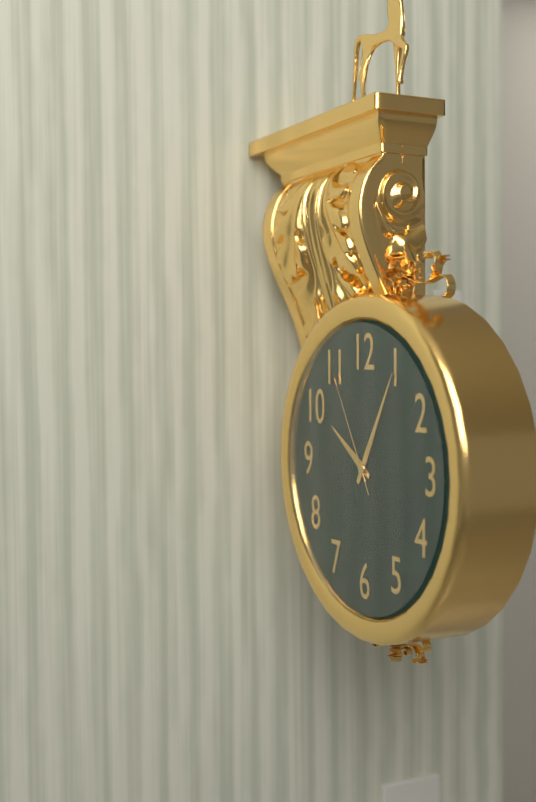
10 h 05 min 55 s
